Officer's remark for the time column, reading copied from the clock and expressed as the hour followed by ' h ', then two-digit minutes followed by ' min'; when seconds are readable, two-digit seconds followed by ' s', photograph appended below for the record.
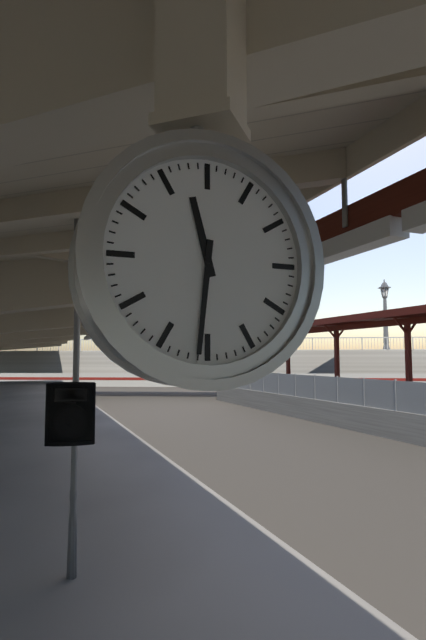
11 h 31 min
